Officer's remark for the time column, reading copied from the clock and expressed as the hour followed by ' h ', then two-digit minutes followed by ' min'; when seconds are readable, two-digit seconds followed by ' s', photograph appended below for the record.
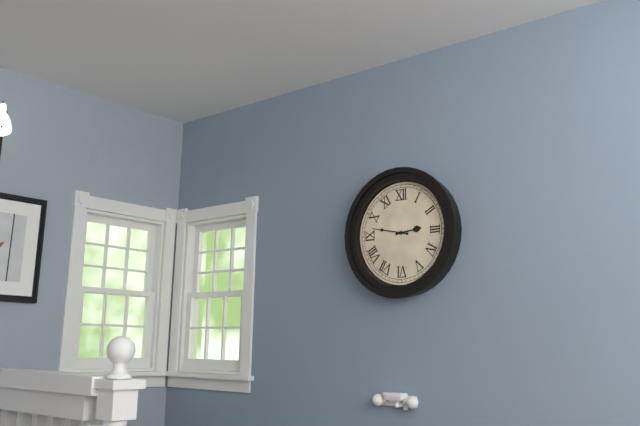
2 h 47 min
